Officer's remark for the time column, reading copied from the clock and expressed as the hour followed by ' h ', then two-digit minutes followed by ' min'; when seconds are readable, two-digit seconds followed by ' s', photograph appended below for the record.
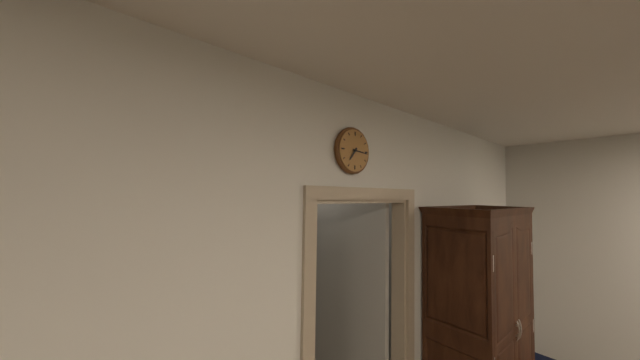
7 h 16 min
